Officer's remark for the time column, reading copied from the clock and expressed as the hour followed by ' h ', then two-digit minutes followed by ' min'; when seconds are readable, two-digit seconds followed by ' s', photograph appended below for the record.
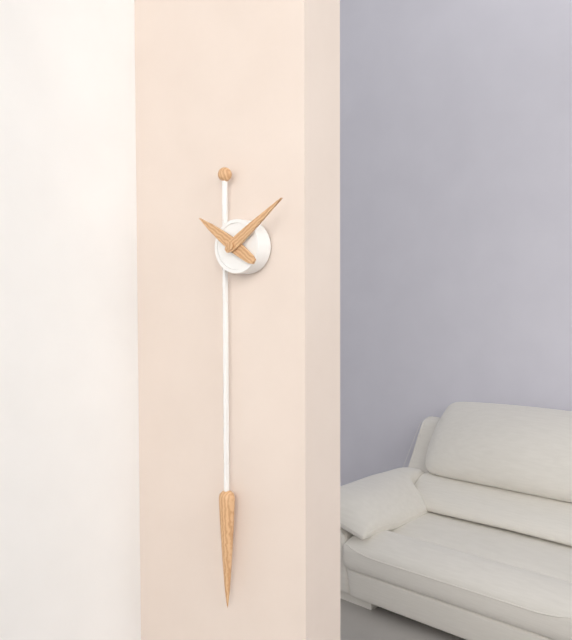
10 h 09 min
